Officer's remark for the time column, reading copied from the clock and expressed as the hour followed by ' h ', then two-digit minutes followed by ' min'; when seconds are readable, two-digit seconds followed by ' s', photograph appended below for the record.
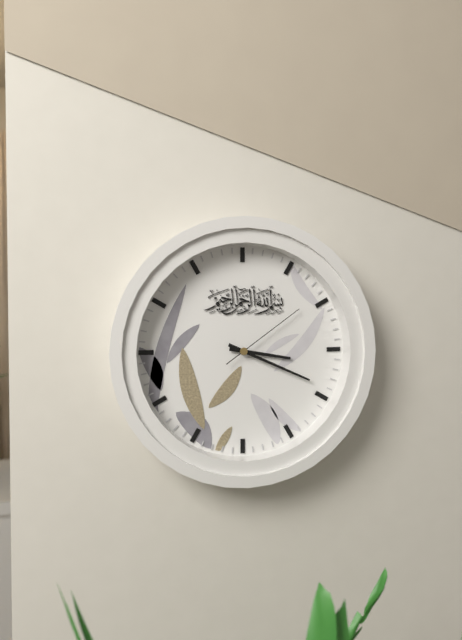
3 h 19 min 09 s
